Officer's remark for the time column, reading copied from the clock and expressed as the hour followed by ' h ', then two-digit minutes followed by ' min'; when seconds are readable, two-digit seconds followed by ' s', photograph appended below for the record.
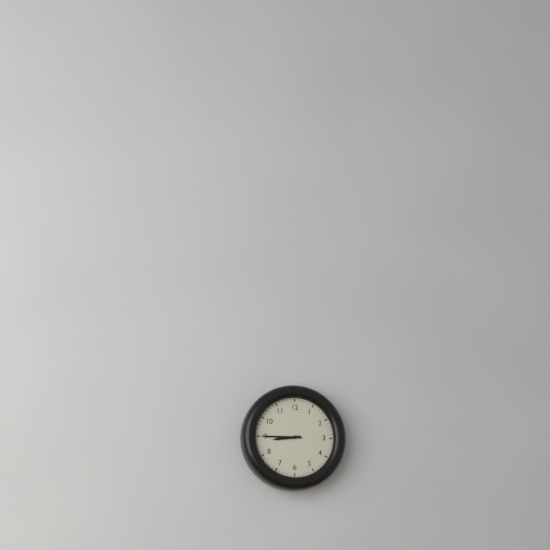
8 h 45 min
